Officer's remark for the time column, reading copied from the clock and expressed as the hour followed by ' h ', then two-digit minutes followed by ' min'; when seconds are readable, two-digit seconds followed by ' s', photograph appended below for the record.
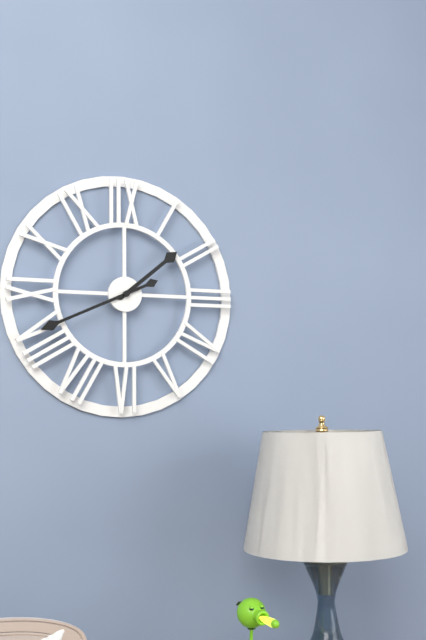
1 h 41 min
